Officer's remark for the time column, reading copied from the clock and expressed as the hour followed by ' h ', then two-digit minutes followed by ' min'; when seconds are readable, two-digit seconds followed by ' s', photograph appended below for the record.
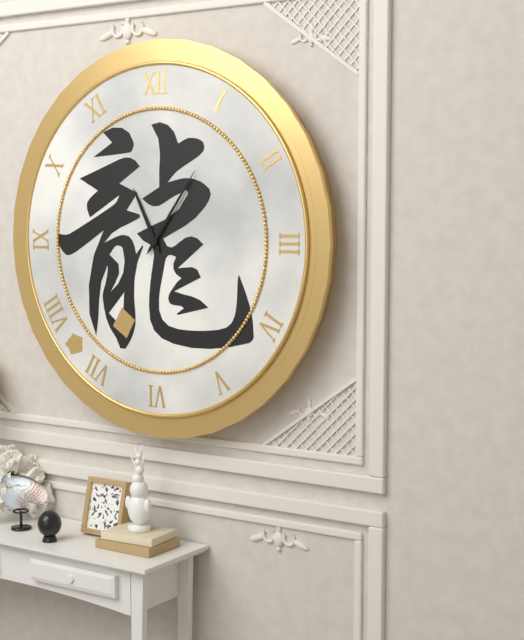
11 h 06 min
